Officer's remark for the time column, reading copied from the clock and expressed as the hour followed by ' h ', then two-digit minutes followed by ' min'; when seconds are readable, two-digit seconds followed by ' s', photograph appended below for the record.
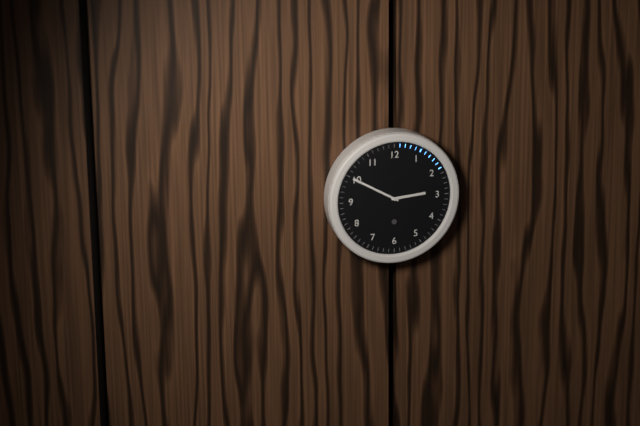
2 h 50 min
